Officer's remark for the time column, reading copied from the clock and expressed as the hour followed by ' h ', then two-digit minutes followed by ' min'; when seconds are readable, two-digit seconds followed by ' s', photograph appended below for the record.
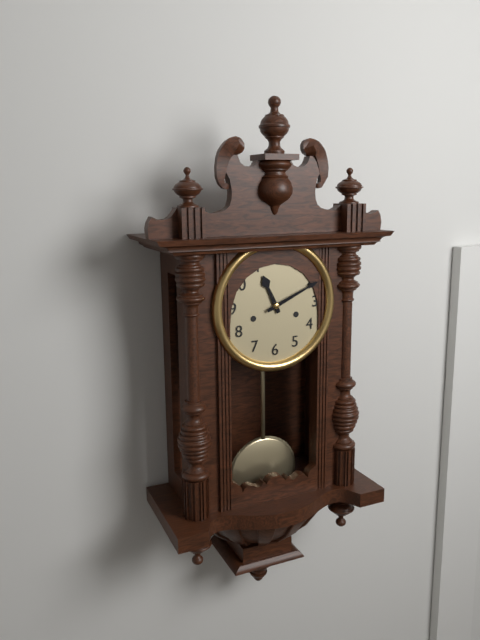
11 h 11 min
